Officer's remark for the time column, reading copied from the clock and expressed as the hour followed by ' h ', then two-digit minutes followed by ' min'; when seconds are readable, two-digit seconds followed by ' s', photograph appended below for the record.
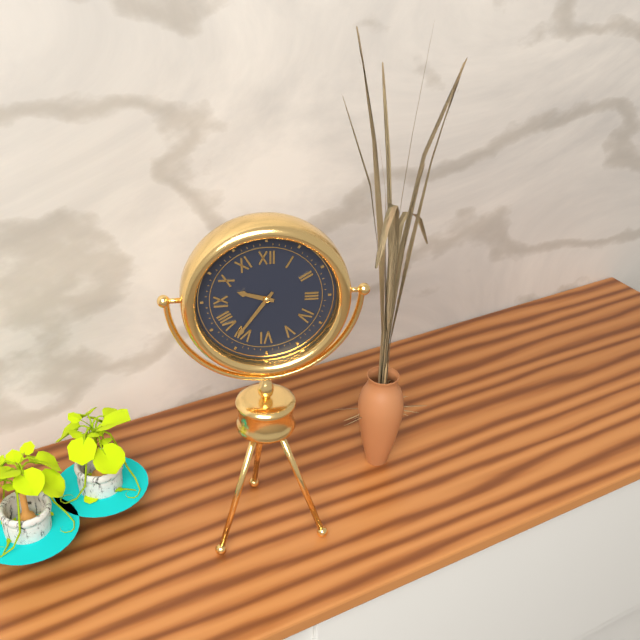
9 h 36 min
